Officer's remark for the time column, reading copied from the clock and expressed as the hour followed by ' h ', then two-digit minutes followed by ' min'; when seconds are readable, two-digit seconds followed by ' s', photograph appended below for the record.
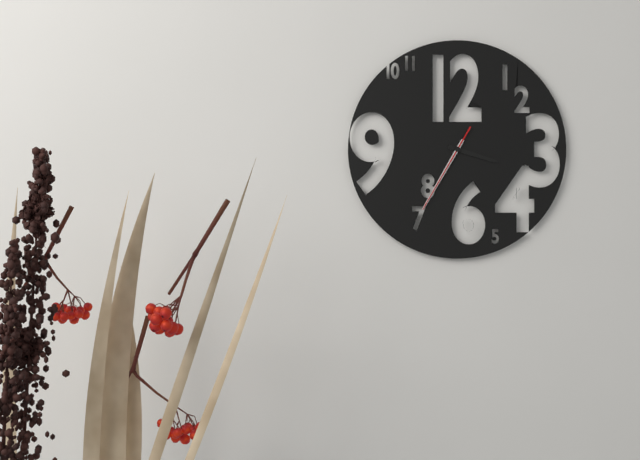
3 h 35 min 35 s
